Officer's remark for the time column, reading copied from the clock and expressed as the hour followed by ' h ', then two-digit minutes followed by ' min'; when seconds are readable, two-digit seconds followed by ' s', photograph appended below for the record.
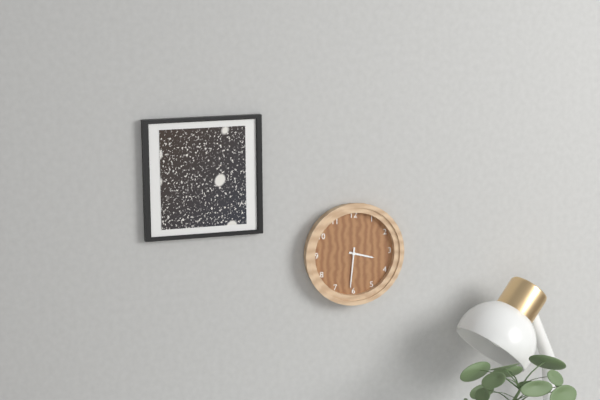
3 h 31 min
